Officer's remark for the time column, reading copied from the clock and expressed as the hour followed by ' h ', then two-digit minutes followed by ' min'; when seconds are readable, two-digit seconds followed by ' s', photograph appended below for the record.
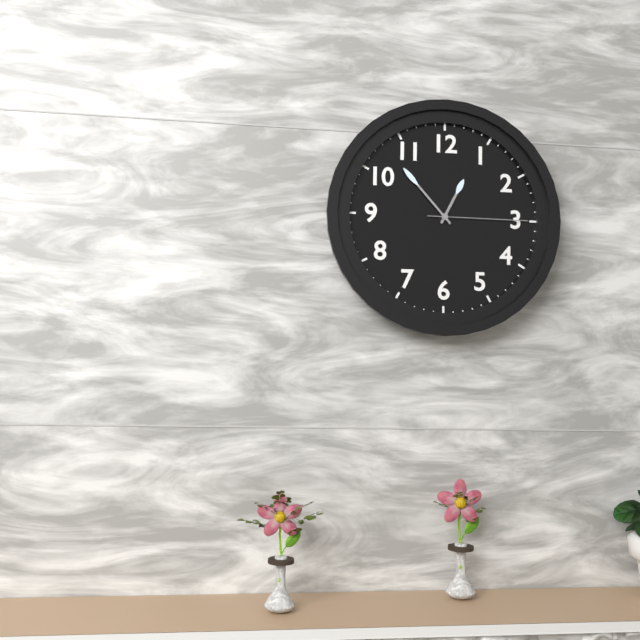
12 h 53 min 15 s
